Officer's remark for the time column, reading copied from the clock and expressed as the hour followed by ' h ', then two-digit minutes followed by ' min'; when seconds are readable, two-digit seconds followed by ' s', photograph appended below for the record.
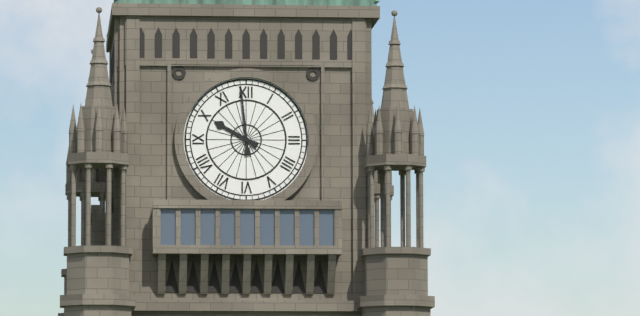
9 h 59 min
